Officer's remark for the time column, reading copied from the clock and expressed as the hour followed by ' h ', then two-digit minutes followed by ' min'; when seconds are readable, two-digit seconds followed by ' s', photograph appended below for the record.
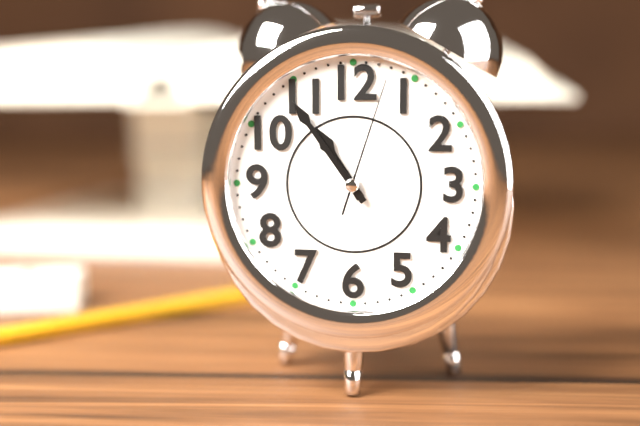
10 h 54 min 03 s
